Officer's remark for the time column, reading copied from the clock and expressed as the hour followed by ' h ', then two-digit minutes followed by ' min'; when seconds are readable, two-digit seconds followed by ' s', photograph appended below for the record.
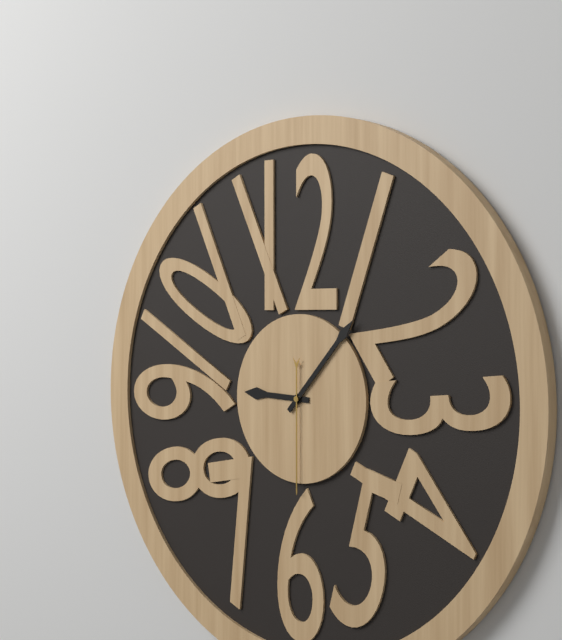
9 h 07 min 30 s
